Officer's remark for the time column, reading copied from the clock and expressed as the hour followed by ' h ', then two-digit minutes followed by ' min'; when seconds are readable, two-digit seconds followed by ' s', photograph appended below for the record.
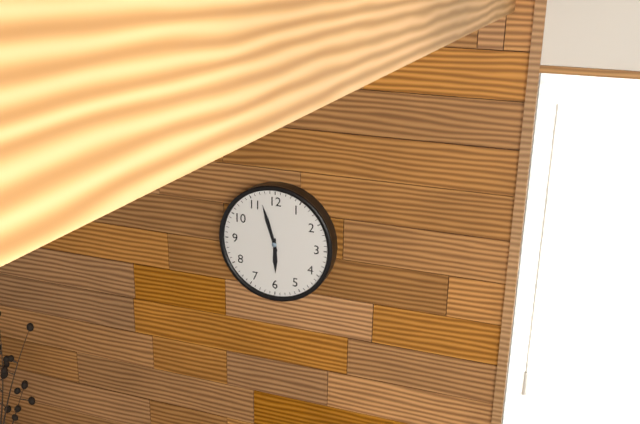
5 h 57 min
